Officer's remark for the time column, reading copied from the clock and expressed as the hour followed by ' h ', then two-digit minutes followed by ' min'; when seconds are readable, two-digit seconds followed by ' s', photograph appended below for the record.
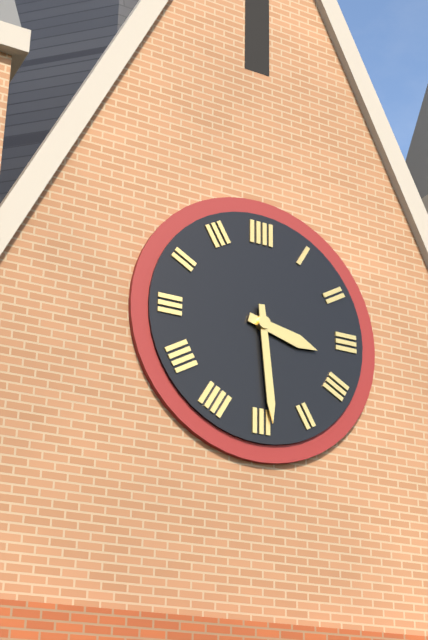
3 h 29 min
